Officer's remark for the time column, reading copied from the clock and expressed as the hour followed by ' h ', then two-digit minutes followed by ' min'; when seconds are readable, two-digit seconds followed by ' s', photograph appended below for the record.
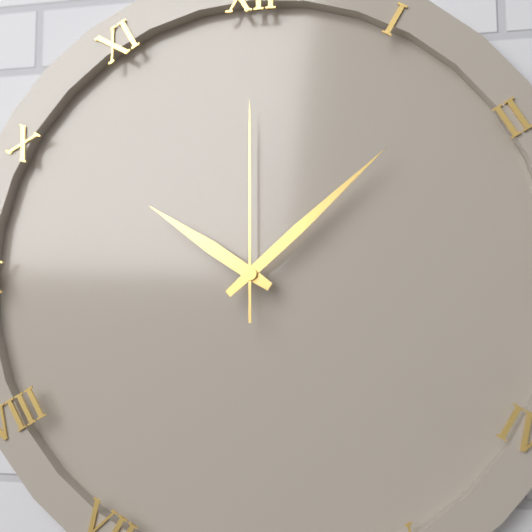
10 h 08 min 00 s
